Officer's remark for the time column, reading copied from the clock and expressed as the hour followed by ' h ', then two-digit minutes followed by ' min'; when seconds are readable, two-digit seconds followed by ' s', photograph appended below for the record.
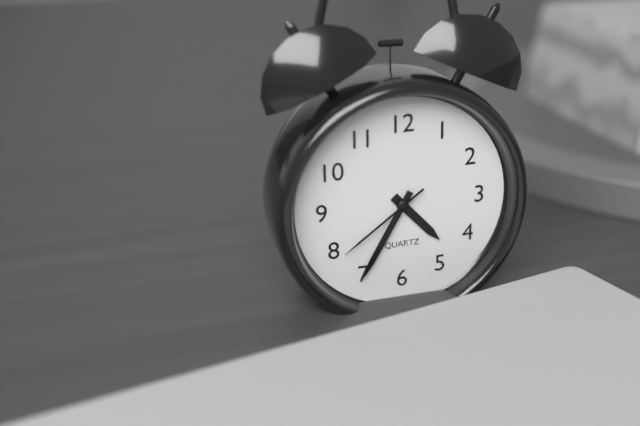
4 h 35 min 39 s
